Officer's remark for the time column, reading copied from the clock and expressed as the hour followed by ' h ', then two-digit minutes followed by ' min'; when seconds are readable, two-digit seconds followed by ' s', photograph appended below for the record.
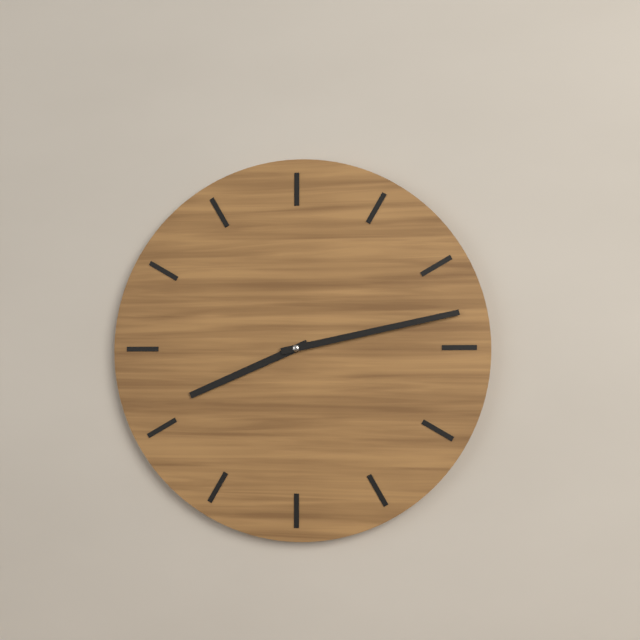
8 h 13 min
